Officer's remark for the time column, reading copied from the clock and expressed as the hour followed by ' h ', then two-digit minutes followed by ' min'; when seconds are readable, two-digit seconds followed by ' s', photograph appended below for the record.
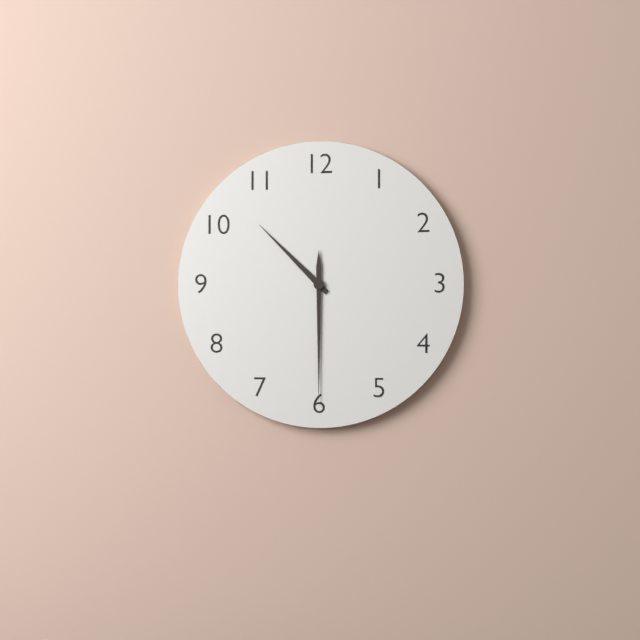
10 h 30 min
